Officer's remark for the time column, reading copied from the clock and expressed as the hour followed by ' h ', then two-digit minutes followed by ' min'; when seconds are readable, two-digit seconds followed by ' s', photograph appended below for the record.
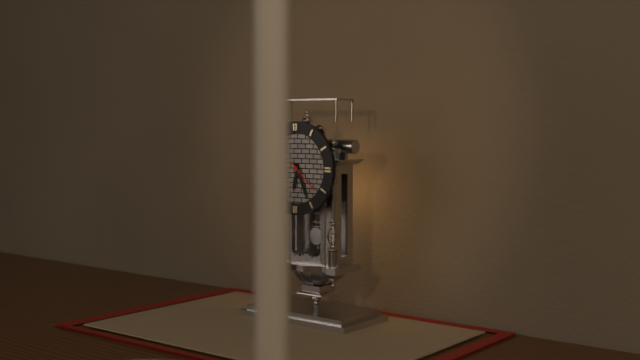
6 h 26 min
